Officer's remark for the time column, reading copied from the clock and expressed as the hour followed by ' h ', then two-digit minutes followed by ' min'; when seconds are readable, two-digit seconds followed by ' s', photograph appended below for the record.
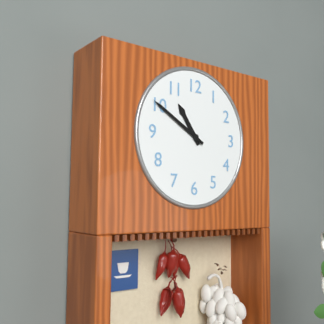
10 h 50 min
